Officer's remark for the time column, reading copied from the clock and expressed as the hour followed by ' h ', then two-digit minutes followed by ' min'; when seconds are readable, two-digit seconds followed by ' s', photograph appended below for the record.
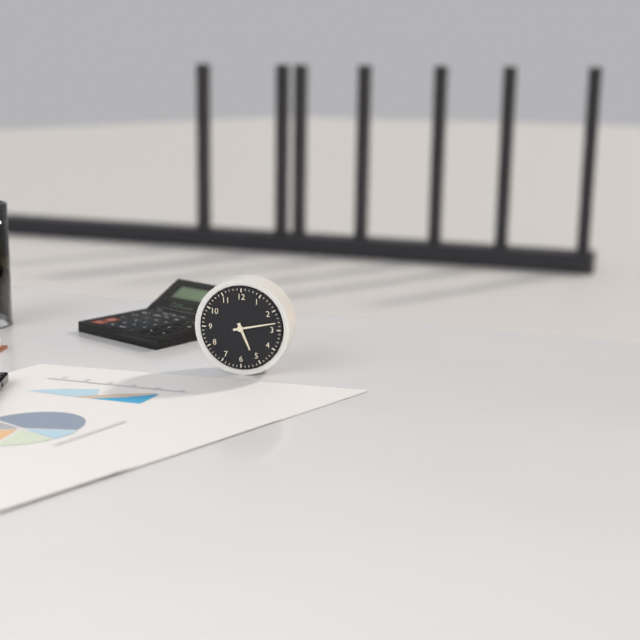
5 h 13 min
